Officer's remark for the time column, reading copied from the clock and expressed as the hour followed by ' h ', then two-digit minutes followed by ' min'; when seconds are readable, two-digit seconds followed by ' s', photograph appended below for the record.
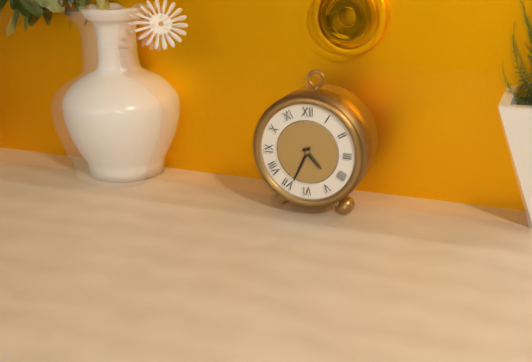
4 h 34 min
